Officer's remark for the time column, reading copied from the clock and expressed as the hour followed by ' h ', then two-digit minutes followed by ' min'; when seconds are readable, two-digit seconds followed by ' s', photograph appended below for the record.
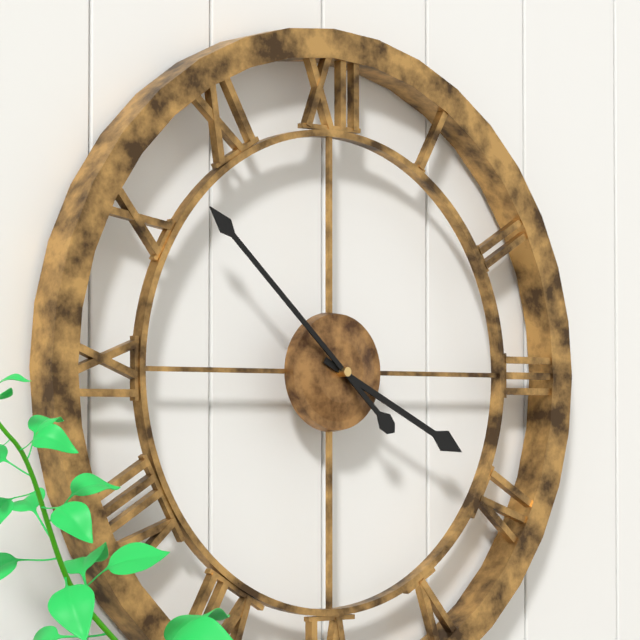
3 h 52 min
